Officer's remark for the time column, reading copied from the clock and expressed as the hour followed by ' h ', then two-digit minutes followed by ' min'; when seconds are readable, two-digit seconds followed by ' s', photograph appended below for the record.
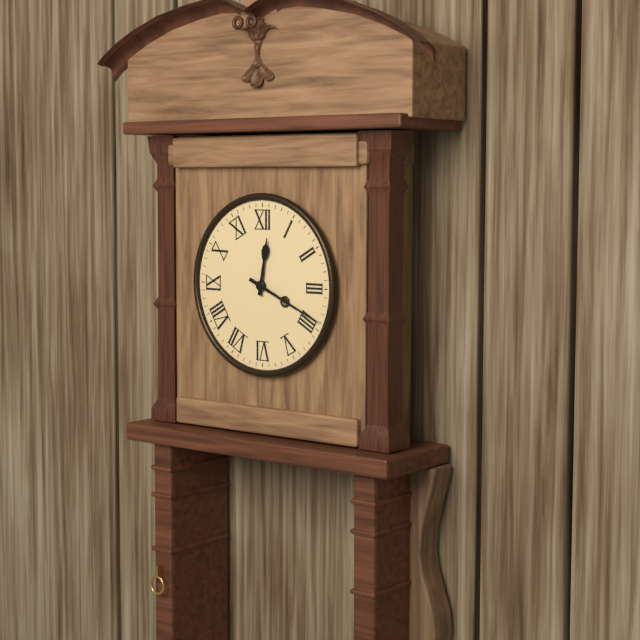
12 h 19 min
